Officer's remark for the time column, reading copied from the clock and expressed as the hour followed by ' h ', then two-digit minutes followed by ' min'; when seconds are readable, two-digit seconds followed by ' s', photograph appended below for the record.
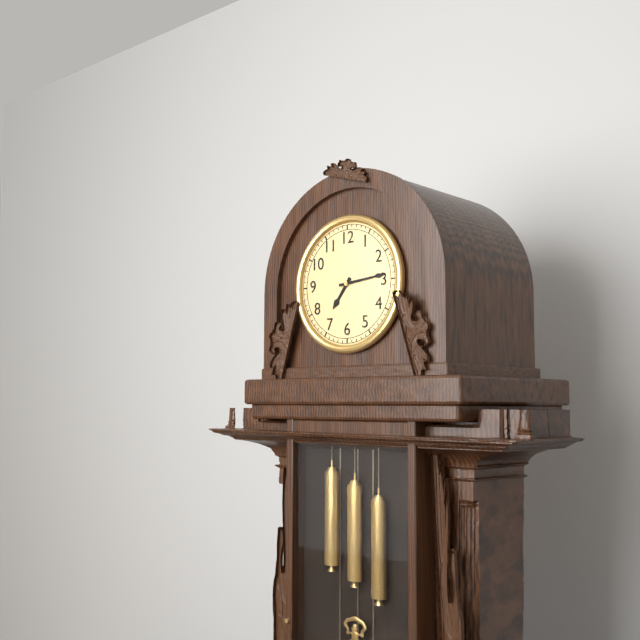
7 h 14 min
